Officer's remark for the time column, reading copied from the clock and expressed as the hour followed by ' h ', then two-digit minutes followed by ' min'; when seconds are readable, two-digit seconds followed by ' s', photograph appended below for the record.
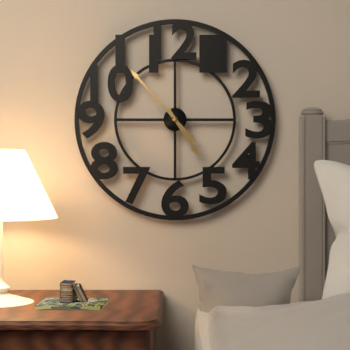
4 h 53 min
